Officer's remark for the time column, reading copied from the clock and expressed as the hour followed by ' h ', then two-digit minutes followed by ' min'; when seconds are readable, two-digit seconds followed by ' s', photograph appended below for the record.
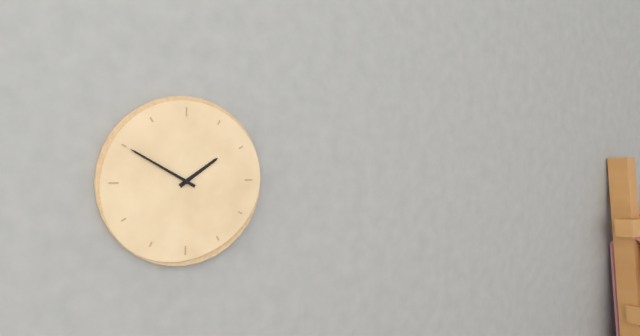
1 h 50 min
